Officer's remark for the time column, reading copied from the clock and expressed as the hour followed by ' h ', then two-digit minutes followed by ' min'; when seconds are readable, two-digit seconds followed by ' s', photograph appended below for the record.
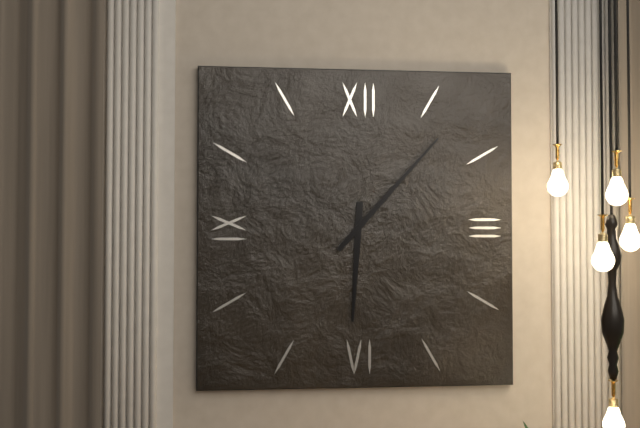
6 h 07 min
